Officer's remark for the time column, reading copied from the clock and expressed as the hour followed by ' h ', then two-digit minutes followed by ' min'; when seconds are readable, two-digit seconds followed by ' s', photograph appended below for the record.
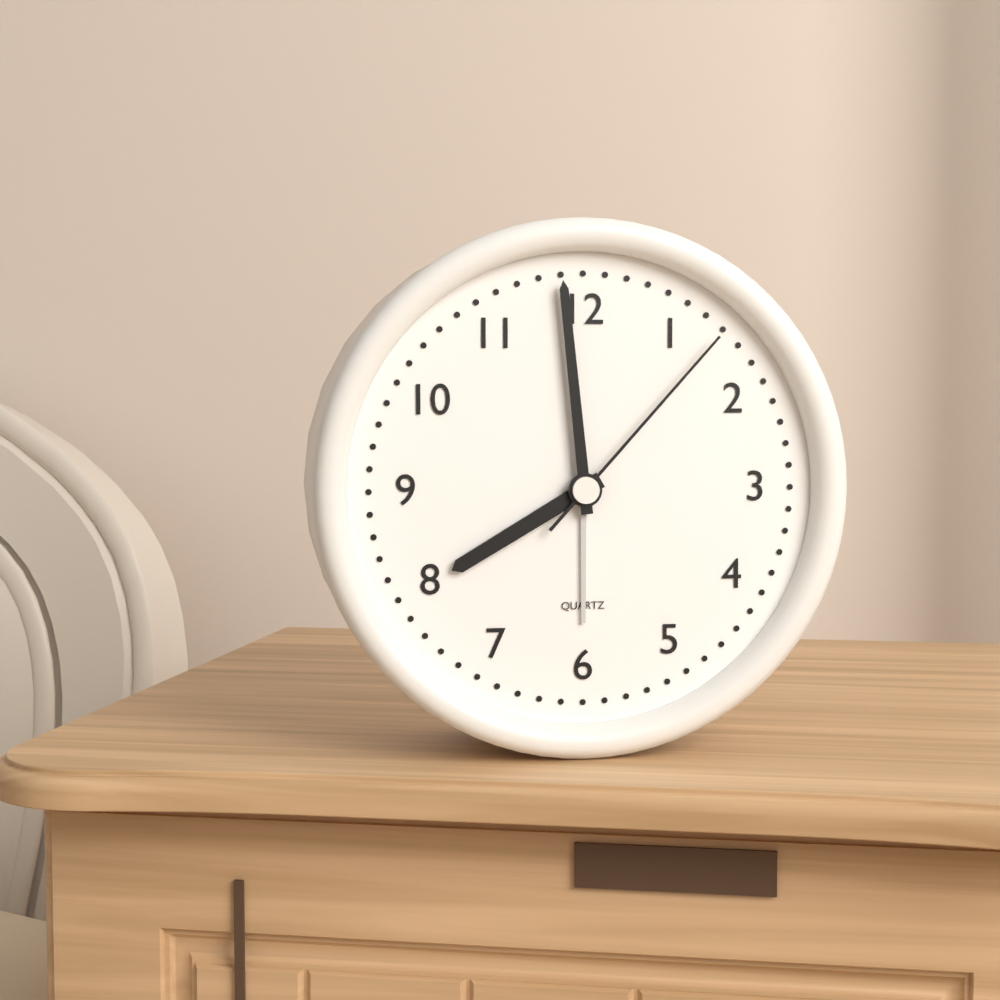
7 h 59 min 07 s
